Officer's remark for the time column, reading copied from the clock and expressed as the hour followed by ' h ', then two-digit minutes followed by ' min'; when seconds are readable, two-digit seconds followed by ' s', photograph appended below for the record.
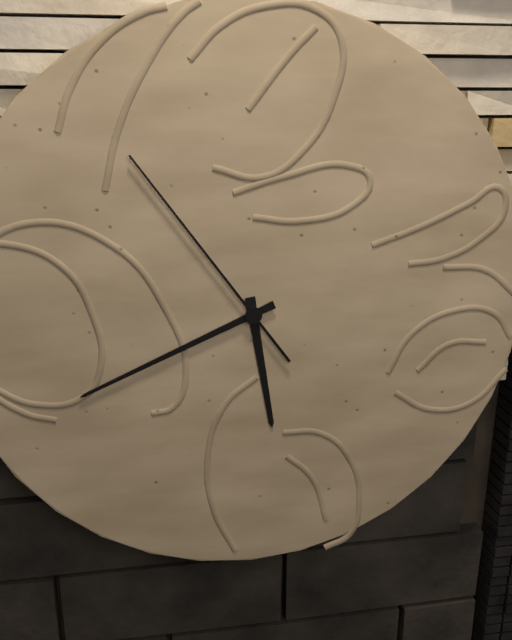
5 h 41 min 54 s
